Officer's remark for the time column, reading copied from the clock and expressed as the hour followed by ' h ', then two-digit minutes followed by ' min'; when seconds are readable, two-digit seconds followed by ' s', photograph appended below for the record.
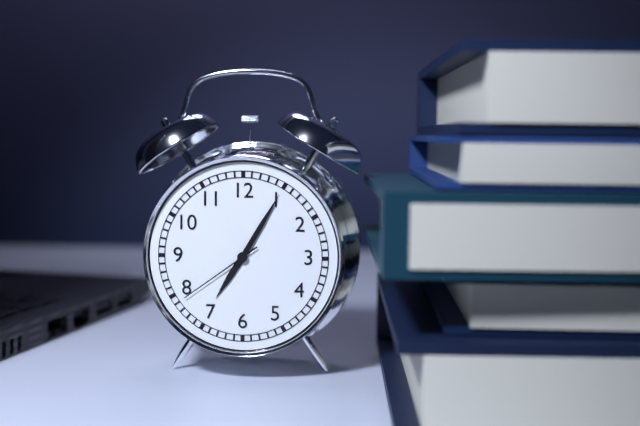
7 h 05 min 39 s
